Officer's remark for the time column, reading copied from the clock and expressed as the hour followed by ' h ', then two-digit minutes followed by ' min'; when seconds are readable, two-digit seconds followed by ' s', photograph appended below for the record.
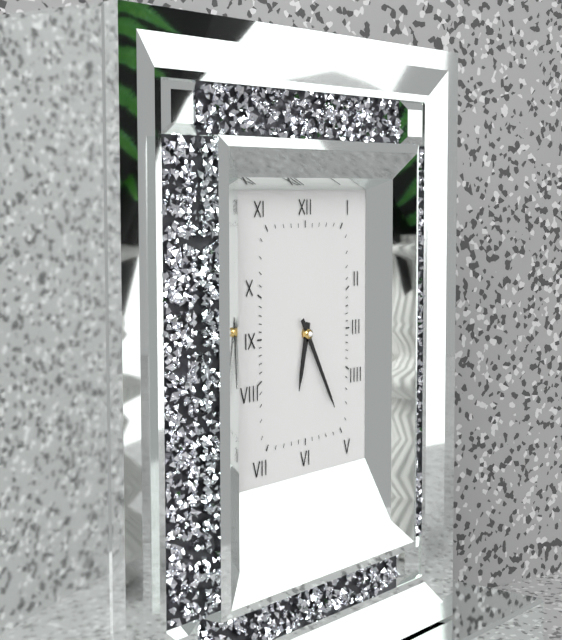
6 h 25 min
